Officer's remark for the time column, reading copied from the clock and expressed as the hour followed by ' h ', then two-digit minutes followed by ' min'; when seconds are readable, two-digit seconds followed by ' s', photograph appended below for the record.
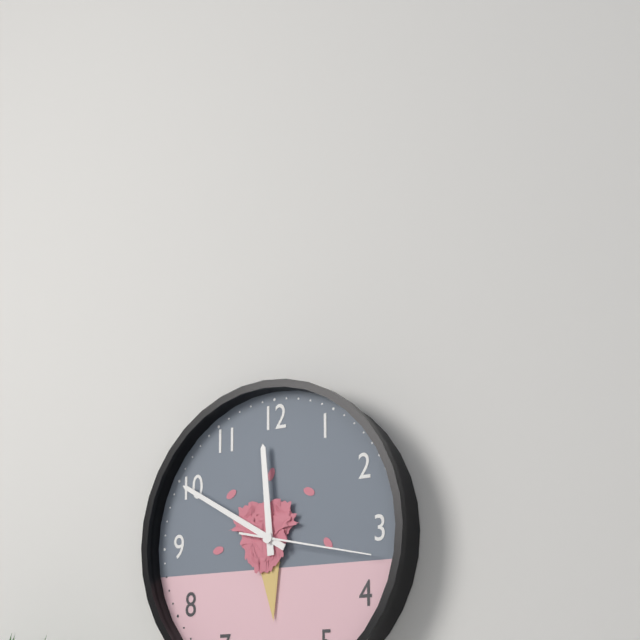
11 h 50 min 17 s
